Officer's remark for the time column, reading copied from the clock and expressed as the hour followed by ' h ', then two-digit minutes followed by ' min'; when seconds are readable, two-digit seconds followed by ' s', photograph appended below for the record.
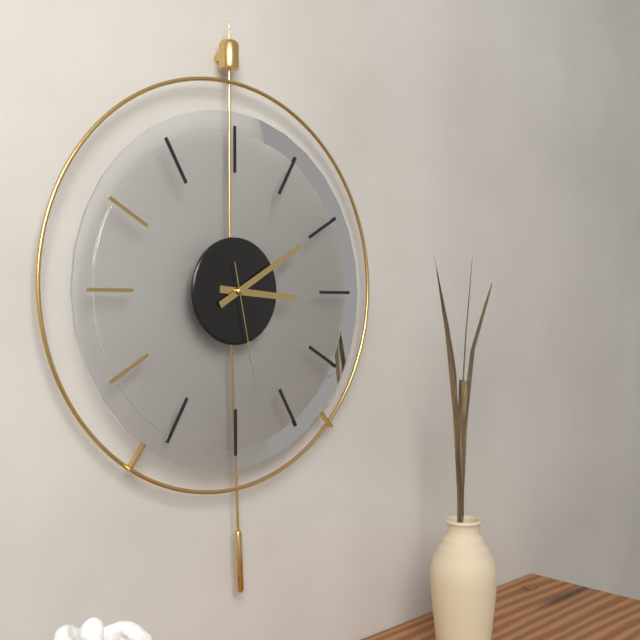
3 h 10 min 28 s
